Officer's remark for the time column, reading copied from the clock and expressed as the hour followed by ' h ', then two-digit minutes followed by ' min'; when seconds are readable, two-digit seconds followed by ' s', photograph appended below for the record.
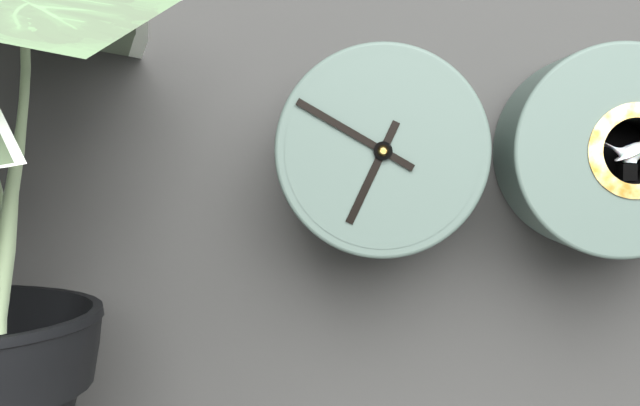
6 h 50 min
